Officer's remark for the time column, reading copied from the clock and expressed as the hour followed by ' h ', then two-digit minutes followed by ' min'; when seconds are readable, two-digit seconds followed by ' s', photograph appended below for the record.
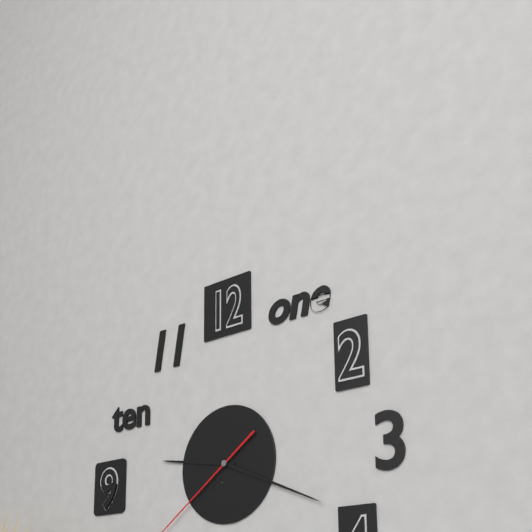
9 h 19 min
